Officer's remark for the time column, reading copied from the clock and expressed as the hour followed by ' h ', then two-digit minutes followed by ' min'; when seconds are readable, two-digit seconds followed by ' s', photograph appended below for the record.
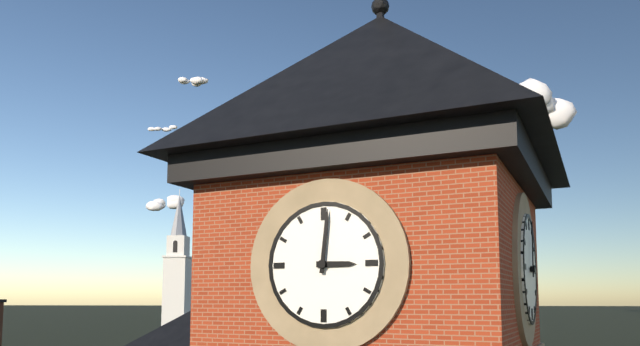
3 h 01 min
